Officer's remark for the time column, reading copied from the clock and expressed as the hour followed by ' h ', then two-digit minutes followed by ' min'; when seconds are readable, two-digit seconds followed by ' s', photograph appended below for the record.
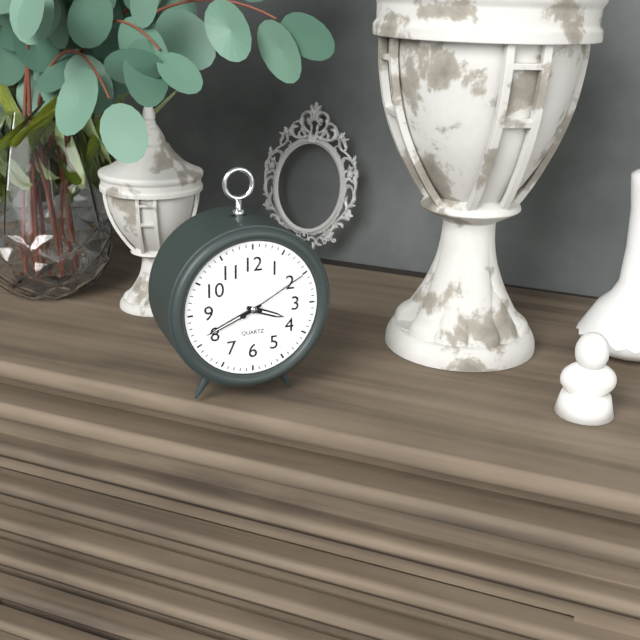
3 h 41 min 10 s
